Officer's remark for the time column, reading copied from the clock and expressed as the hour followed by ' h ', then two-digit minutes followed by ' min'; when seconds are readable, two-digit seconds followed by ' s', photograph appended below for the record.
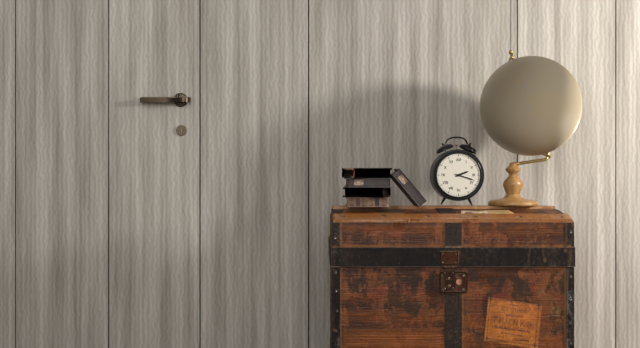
2 h 18 min
